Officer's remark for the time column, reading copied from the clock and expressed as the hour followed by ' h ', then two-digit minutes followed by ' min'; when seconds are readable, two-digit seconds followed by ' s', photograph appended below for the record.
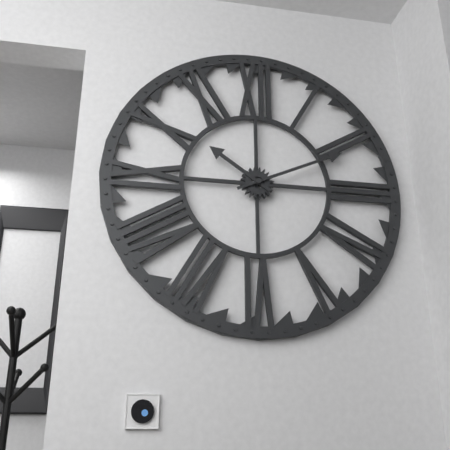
10 h 11 min
